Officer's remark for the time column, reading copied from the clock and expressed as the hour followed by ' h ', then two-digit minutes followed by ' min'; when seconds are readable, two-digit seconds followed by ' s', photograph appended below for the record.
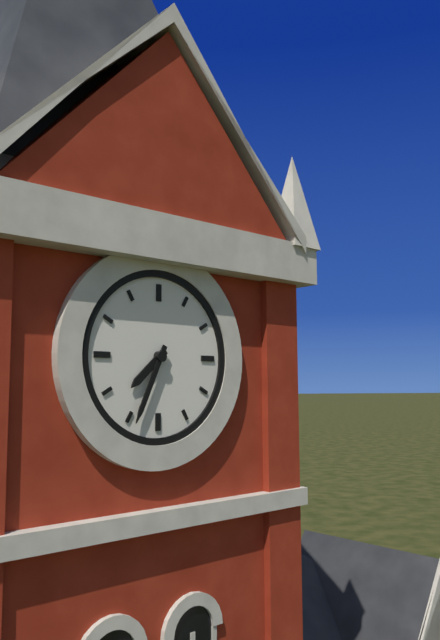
7 h 34 min
